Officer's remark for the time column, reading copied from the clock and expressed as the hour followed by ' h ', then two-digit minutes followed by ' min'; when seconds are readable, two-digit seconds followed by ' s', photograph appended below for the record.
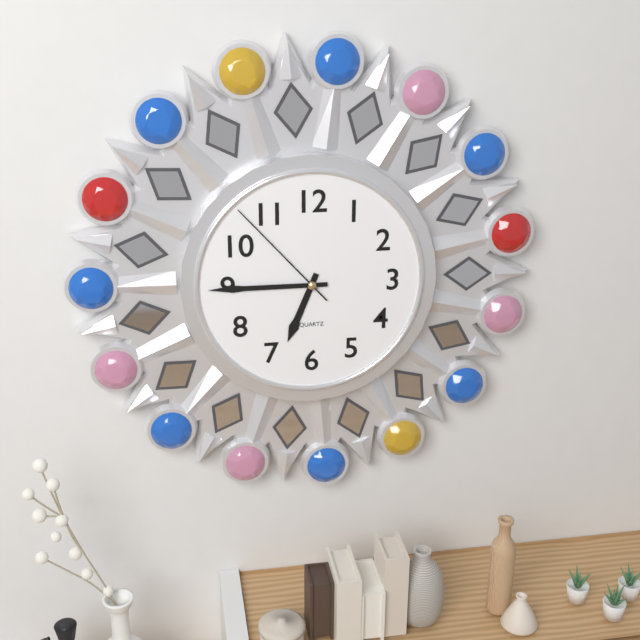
6 h 45 min 53 s
